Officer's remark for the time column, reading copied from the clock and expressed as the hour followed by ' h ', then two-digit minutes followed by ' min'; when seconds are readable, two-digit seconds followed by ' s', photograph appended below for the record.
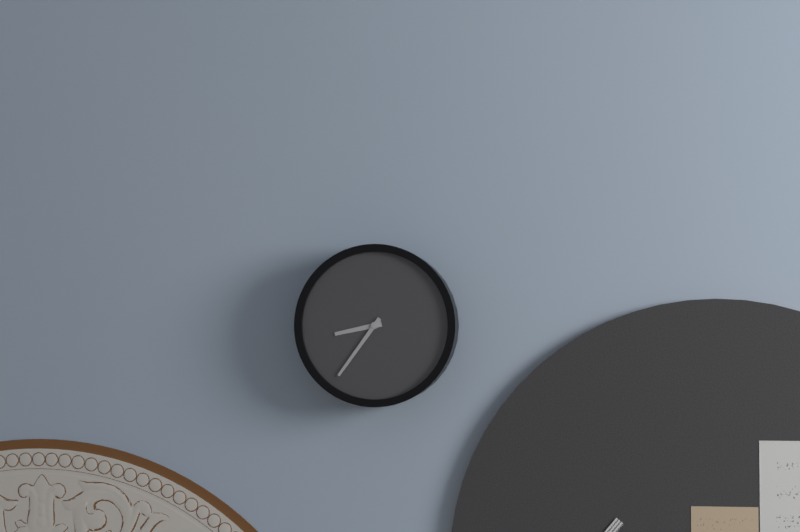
8 h 36 min
